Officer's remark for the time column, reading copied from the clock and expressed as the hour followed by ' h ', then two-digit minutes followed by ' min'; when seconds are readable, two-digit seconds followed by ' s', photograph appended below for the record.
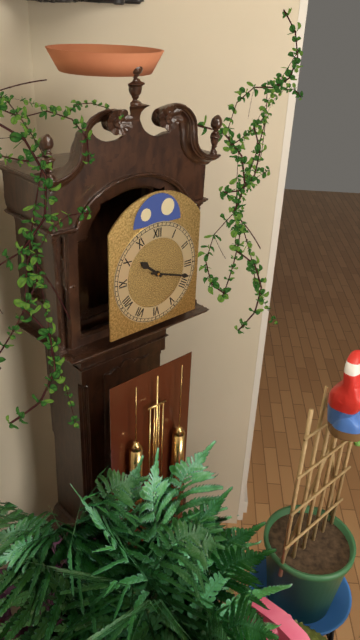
10 h 18 min
